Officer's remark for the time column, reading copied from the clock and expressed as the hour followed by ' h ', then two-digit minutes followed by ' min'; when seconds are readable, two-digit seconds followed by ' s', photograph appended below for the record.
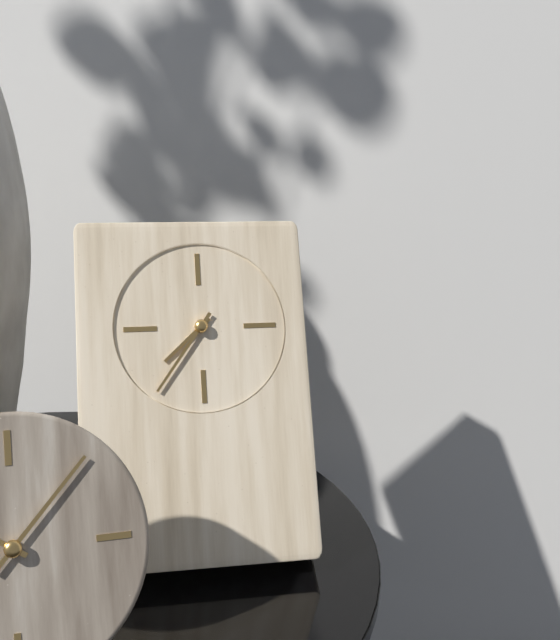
7 h 36 min
